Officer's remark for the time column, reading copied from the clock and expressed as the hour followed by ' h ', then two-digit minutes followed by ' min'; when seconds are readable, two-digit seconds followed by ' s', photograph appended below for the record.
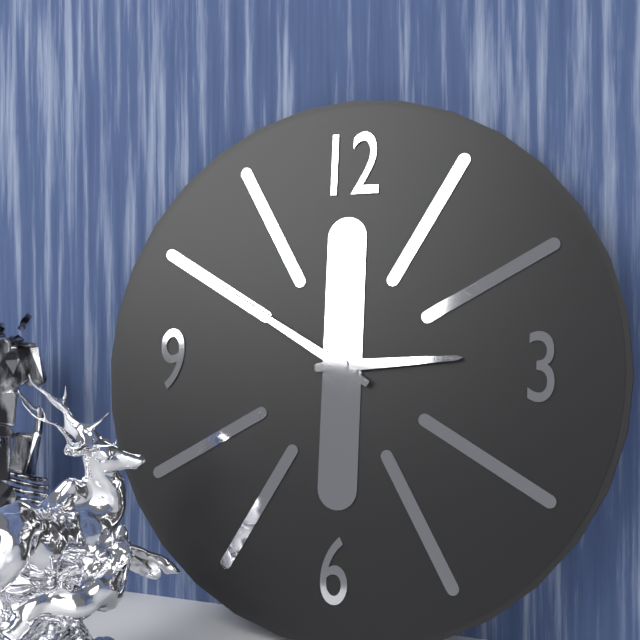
2 h 50 min
